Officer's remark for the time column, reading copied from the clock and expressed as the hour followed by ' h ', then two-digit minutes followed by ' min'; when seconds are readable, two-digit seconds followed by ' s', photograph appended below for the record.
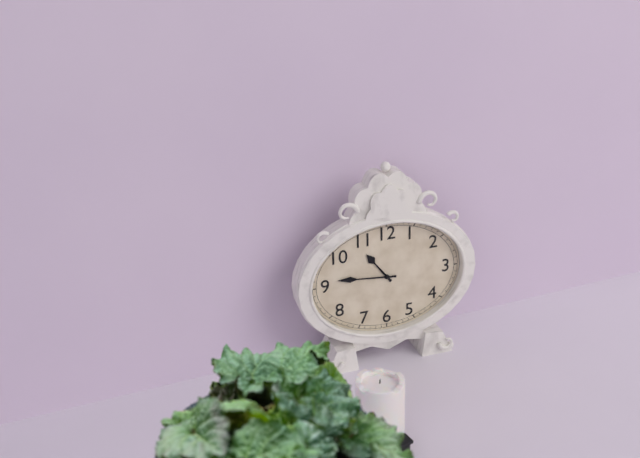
10 h 46 min
